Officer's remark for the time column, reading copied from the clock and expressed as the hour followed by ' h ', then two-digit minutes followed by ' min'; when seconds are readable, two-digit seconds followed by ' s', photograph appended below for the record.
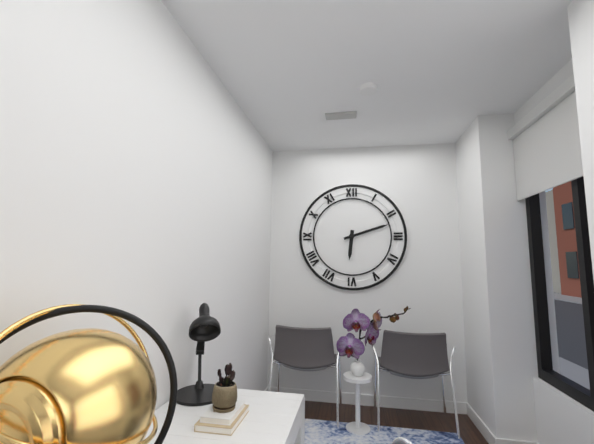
6 h 12 min
